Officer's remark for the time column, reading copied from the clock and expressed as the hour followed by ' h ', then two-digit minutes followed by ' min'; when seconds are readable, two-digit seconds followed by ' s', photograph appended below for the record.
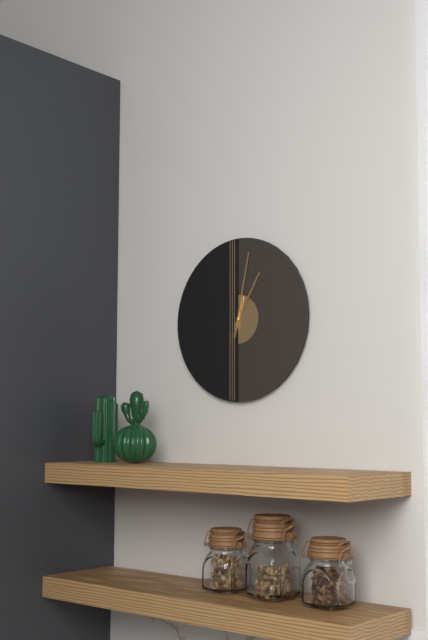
1 h 02 min
